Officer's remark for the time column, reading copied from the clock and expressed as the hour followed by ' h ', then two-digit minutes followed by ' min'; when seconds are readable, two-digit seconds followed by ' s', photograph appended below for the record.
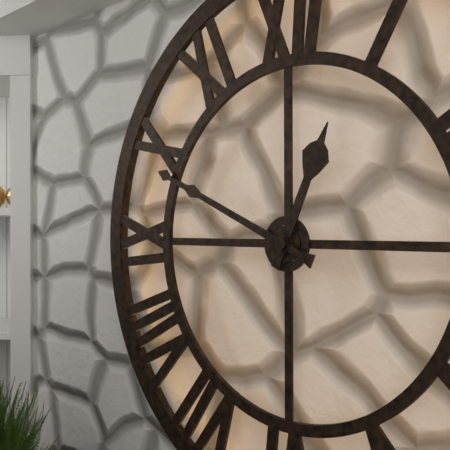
12 h 49 min
